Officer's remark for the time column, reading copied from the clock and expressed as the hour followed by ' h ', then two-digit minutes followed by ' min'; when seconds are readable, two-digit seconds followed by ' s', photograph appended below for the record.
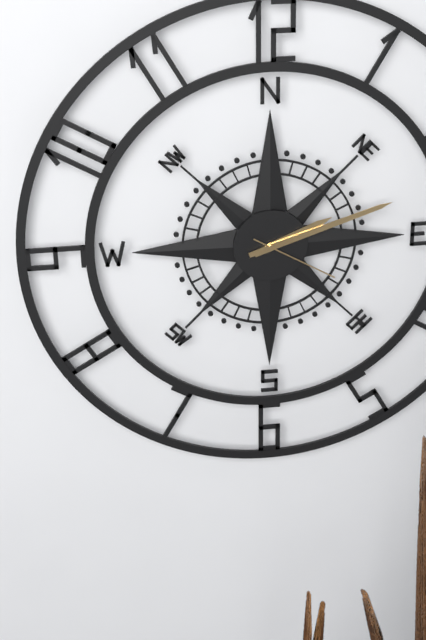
2 h 12 min 20 s
